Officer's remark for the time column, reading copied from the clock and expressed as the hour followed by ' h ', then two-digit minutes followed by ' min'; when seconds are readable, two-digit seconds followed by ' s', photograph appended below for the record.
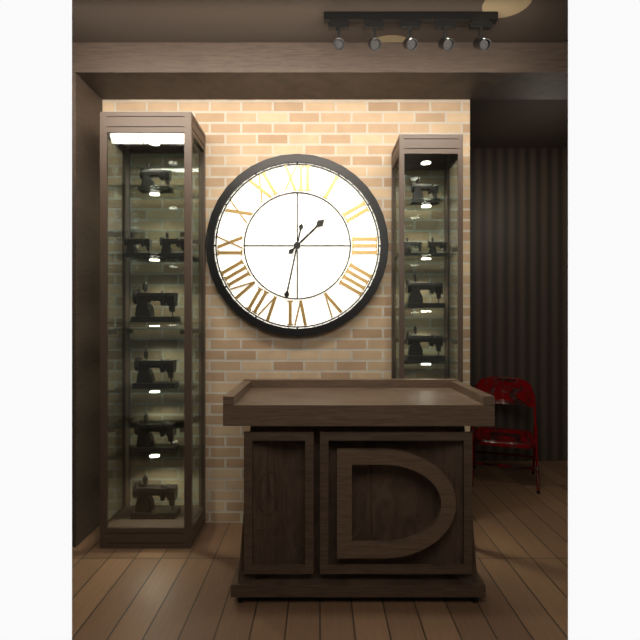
1 h 32 min
